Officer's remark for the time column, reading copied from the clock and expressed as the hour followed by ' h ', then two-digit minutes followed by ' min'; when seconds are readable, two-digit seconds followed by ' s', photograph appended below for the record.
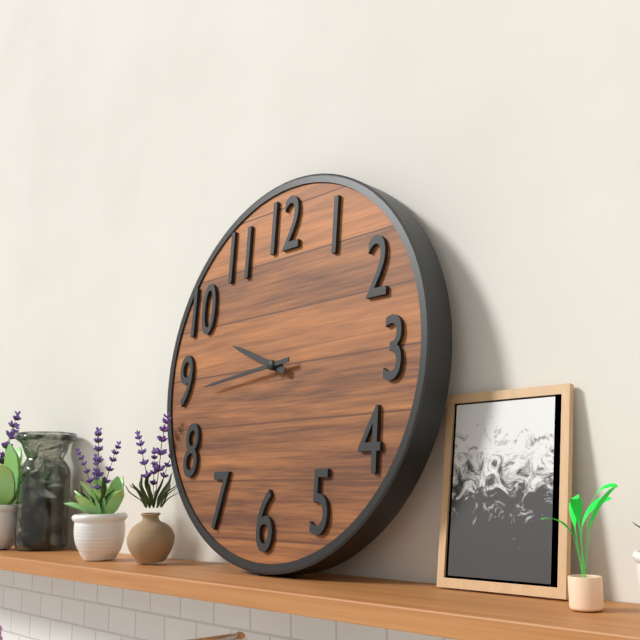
9 h 44 min
